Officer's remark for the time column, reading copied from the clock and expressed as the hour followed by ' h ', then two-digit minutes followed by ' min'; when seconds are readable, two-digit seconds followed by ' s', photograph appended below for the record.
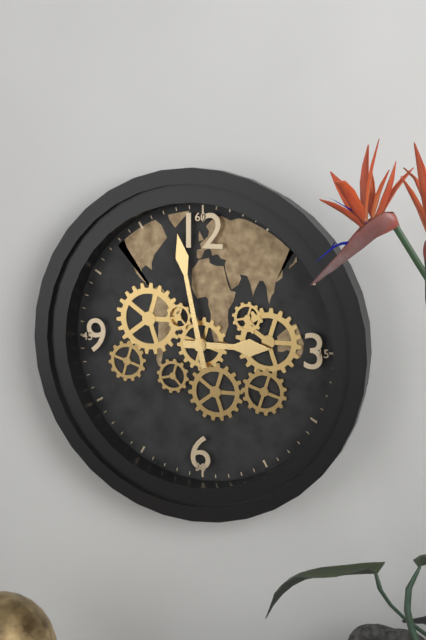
2 h 58 min
